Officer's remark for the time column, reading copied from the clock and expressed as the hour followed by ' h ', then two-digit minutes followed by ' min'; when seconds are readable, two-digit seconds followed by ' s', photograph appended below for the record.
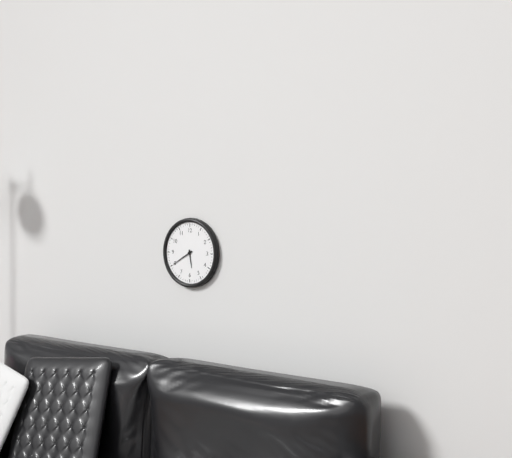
5 h 40 min
